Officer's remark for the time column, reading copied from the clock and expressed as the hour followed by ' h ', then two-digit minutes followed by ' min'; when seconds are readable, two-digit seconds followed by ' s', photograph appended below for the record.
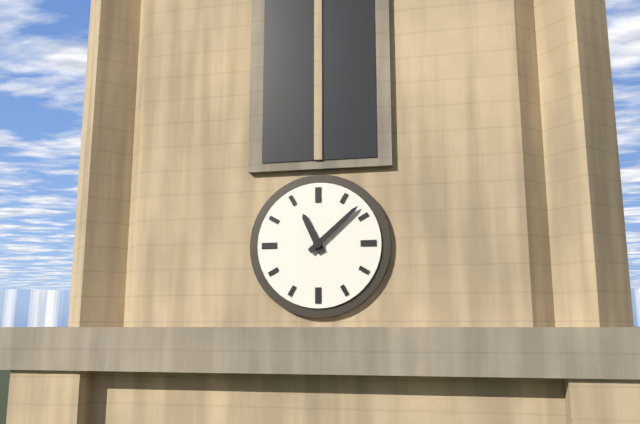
11 h 08 min
